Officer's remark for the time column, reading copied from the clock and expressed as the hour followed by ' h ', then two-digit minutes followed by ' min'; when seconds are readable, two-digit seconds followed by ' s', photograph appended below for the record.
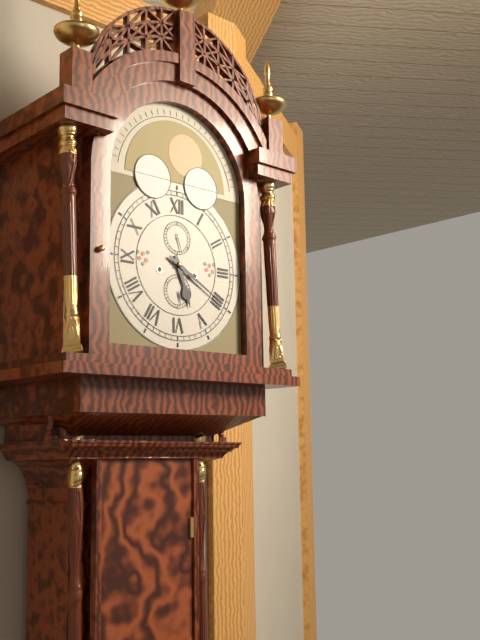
5 h 20 min
